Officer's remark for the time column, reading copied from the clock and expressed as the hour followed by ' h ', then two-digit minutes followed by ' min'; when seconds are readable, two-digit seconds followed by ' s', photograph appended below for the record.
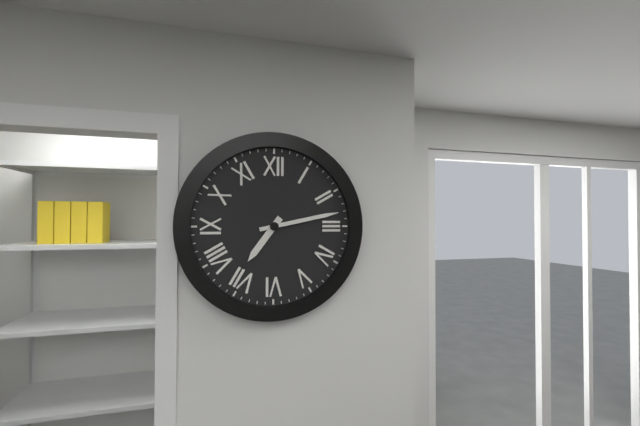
7 h 13 min
